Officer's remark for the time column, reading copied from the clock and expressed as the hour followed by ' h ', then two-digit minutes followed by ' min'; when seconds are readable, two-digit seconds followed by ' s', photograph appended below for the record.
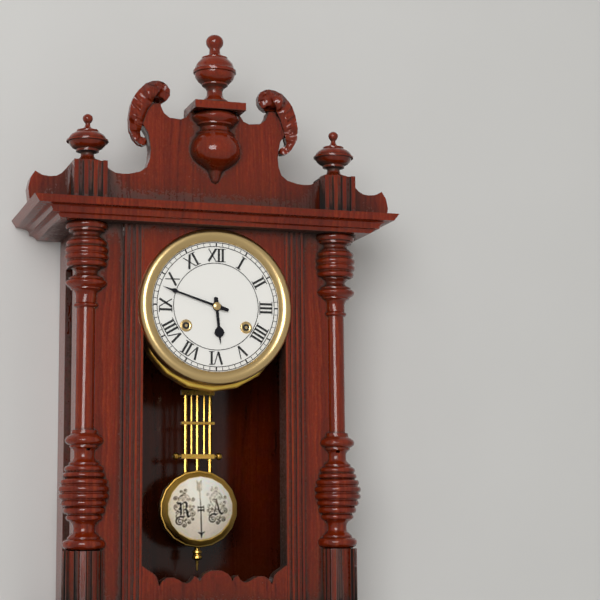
5 h 48 min
